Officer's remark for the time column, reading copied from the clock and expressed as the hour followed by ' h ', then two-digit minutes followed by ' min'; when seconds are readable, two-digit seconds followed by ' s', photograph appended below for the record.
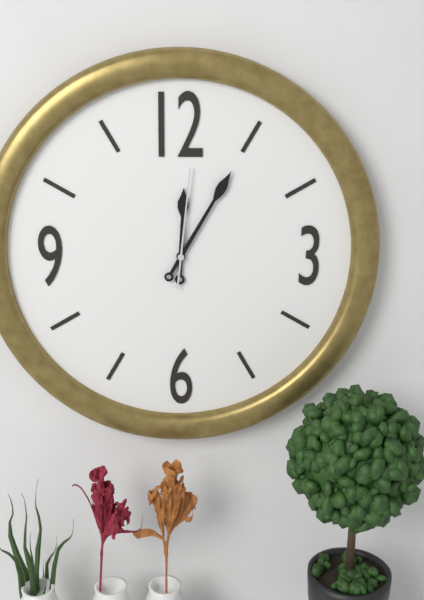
12 h 05 min 01 s
